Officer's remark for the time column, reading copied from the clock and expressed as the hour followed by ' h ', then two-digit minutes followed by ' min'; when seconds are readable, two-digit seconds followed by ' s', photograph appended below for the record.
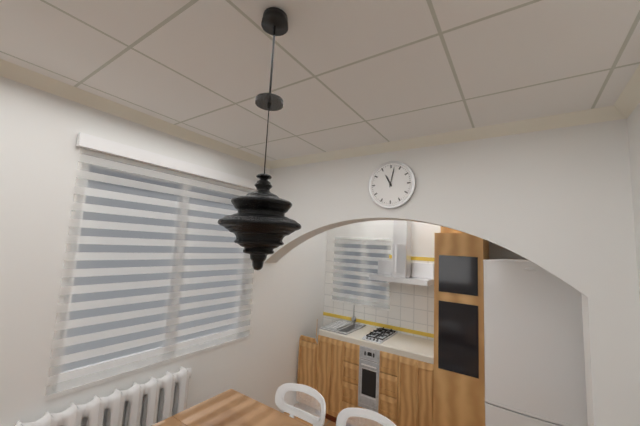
11 h 02 min
